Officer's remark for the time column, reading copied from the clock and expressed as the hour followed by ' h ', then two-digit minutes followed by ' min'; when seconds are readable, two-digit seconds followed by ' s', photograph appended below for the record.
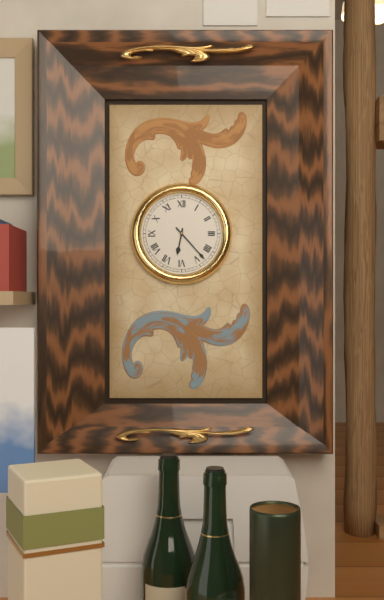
6 h 23 min
